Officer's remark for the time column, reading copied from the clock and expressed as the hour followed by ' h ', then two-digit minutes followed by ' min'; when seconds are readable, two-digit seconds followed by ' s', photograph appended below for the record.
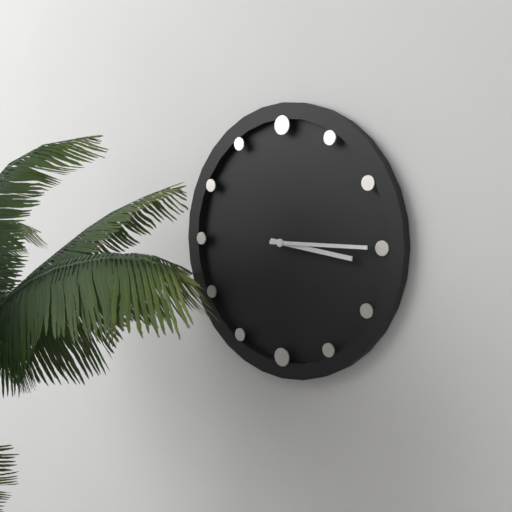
3 h 15 min
